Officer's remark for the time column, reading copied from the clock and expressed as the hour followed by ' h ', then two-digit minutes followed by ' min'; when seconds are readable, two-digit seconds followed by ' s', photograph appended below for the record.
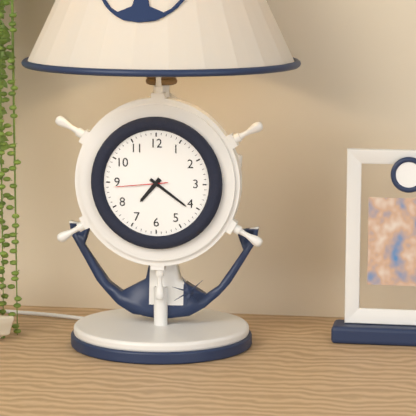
7 h 21 min 44 s
